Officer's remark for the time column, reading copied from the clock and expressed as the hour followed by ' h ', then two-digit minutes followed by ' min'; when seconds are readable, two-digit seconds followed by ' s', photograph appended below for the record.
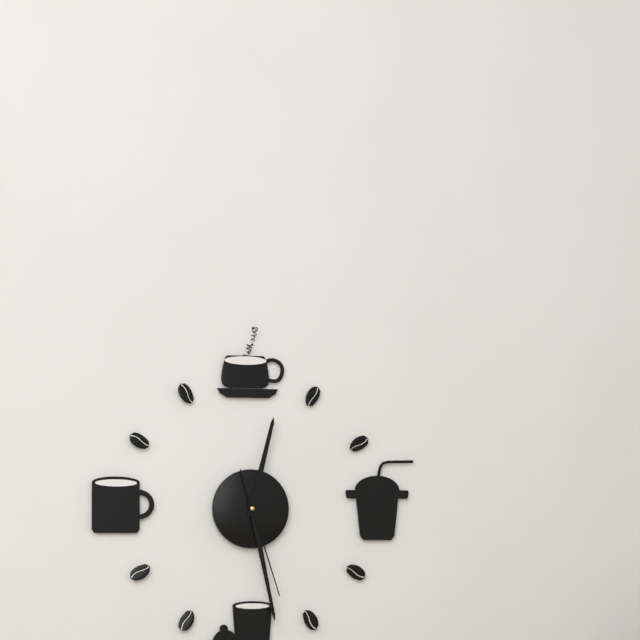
12 h 28 min 27 s
